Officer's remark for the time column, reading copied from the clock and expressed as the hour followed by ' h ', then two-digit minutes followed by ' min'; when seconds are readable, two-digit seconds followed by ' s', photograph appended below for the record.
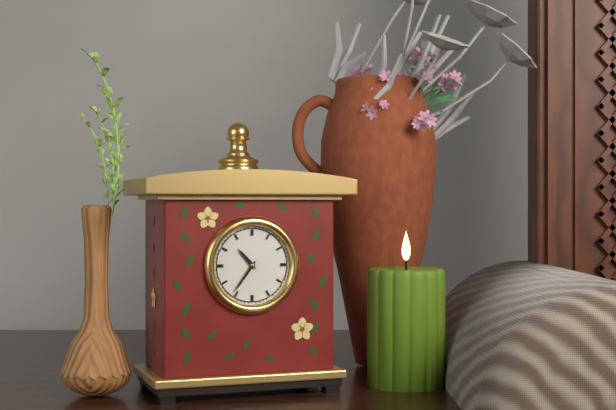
10 h 36 min
